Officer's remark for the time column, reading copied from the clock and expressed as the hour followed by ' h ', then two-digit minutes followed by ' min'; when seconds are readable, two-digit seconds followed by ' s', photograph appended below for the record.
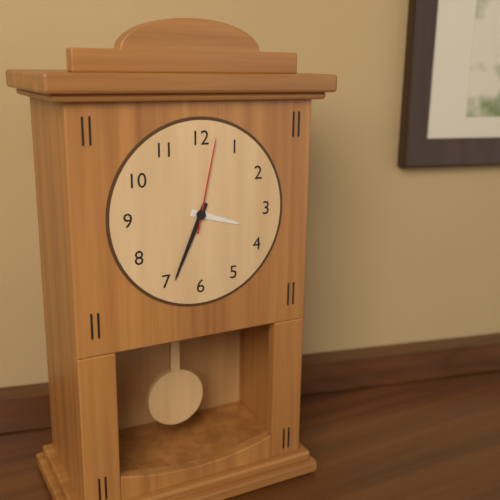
3 h 34 min 02 s
